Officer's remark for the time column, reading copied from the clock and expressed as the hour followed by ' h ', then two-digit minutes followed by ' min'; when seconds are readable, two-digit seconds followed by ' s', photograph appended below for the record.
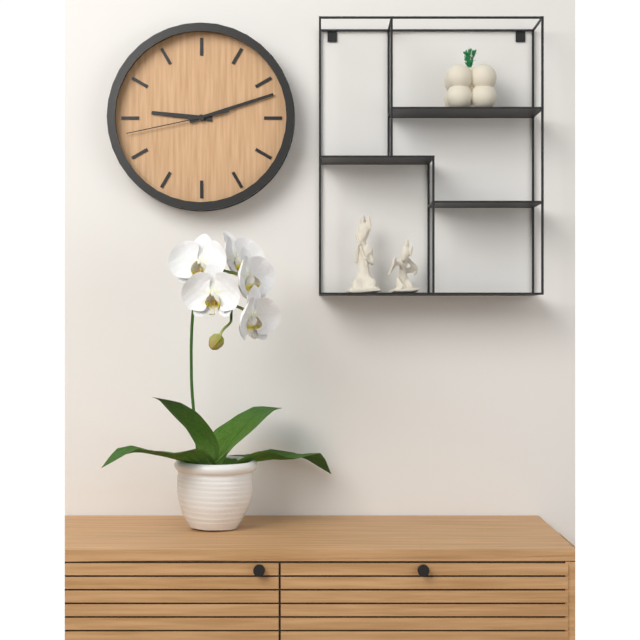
9 h 12 min 43 s
